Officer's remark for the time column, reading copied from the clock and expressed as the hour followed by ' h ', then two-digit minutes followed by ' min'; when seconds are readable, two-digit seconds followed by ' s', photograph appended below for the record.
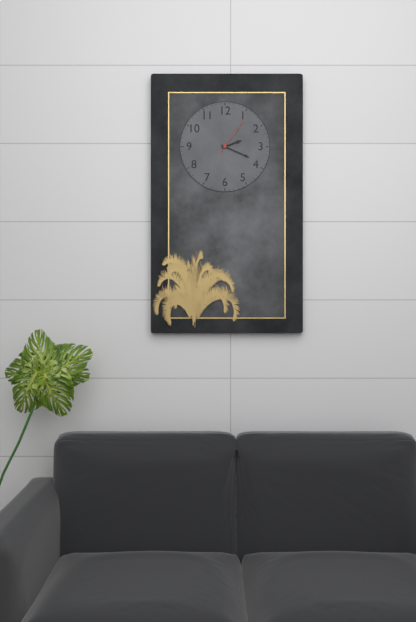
2 h 19 min
